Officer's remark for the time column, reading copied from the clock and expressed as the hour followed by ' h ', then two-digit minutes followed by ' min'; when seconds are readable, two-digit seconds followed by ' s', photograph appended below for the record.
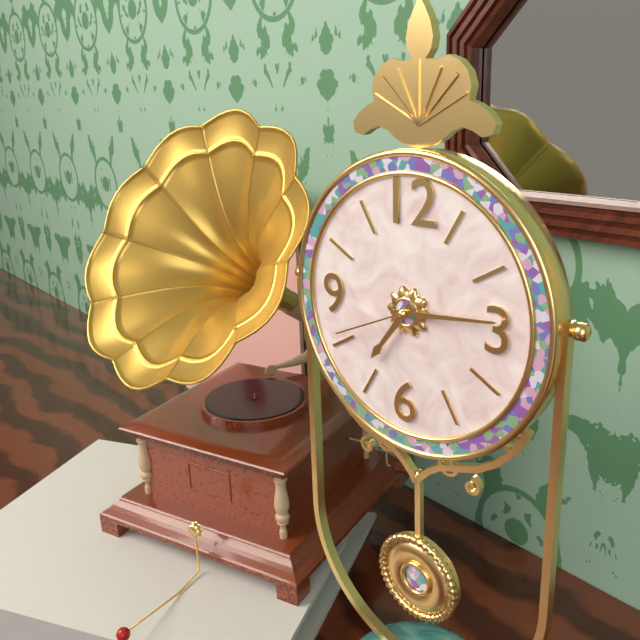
7 h 14 min 41 s
